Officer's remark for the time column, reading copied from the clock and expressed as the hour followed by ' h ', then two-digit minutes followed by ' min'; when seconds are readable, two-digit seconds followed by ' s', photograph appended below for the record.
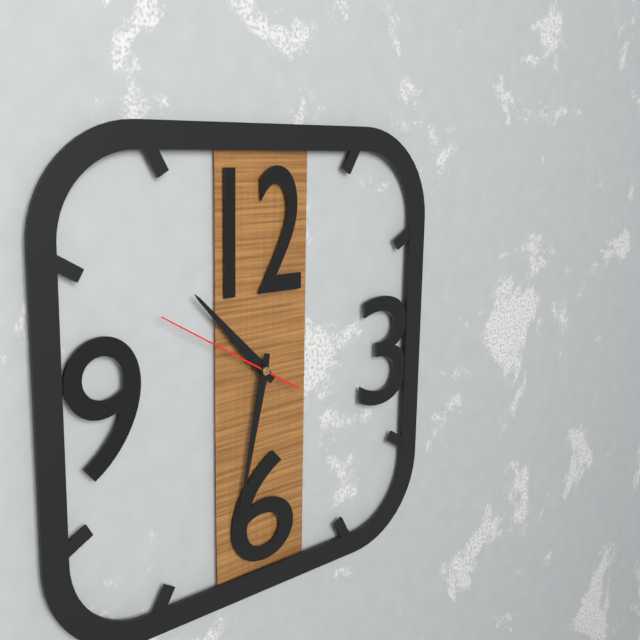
10 h 32 min 50 s
